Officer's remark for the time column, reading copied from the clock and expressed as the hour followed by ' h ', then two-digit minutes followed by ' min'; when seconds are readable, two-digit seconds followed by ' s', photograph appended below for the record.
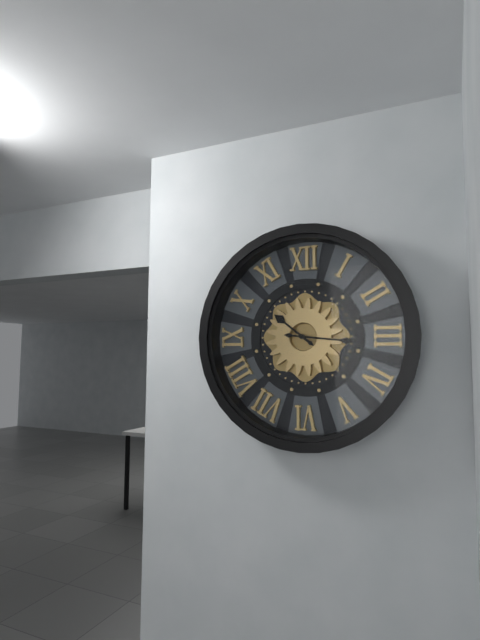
10 h 16 min
